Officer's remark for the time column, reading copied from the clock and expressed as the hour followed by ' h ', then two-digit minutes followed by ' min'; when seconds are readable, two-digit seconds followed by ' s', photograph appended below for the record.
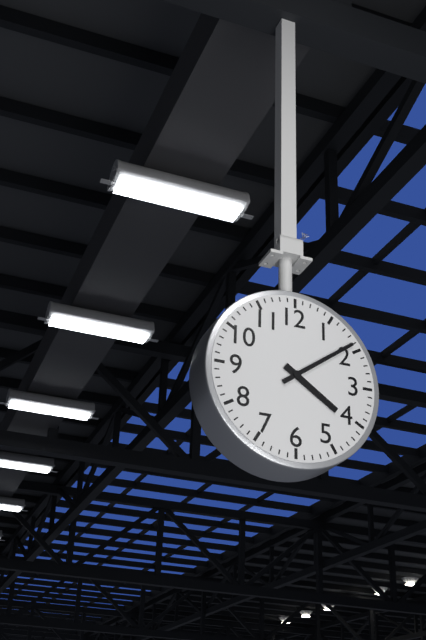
4 h 09 min
